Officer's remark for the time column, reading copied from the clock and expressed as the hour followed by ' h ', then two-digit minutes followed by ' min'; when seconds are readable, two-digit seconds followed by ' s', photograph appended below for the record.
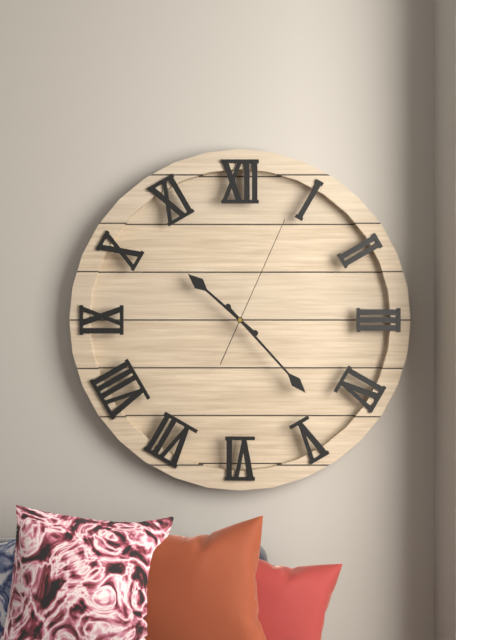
10 h 23 min 04 s
